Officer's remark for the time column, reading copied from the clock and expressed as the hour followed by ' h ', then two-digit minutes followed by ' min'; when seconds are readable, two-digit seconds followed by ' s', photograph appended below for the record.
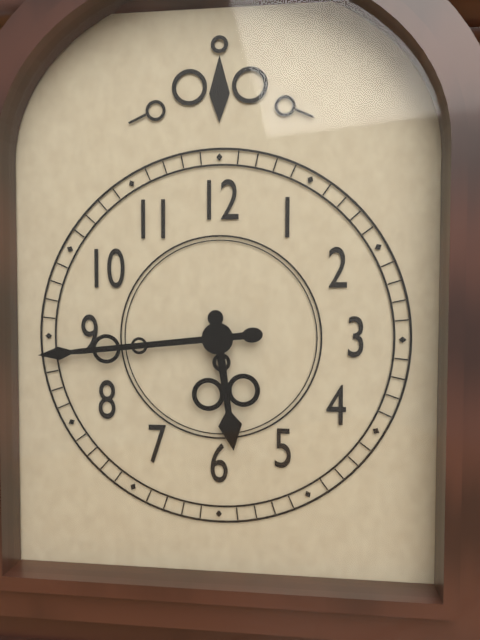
5 h 44 min
